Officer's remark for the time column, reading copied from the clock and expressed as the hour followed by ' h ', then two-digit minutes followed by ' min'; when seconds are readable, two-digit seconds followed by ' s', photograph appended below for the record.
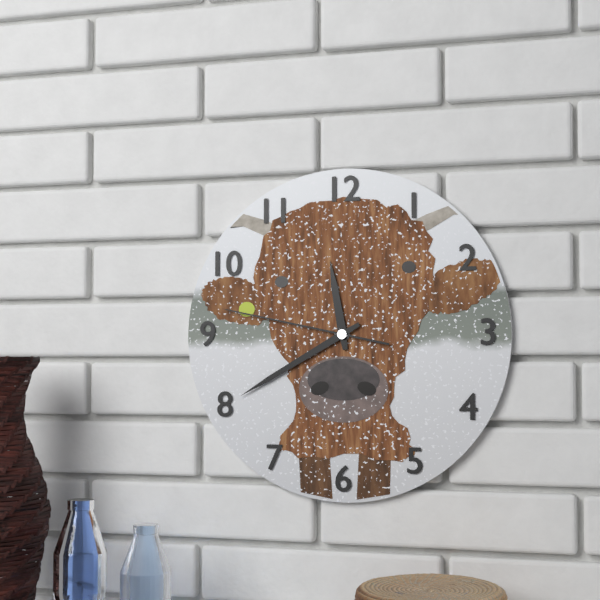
11 h 40 min 47 s
